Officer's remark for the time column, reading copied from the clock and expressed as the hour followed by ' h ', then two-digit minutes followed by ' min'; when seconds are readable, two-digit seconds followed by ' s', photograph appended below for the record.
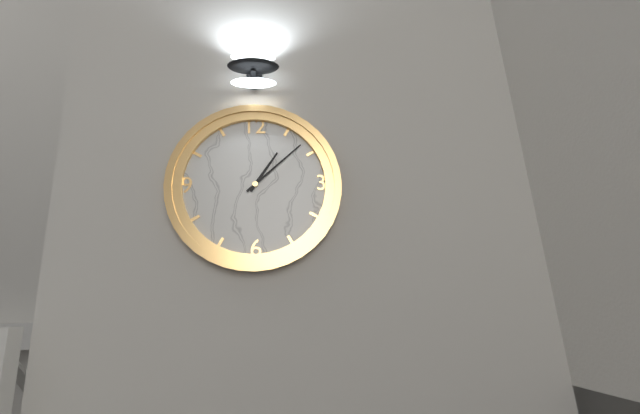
1 h 08 min
